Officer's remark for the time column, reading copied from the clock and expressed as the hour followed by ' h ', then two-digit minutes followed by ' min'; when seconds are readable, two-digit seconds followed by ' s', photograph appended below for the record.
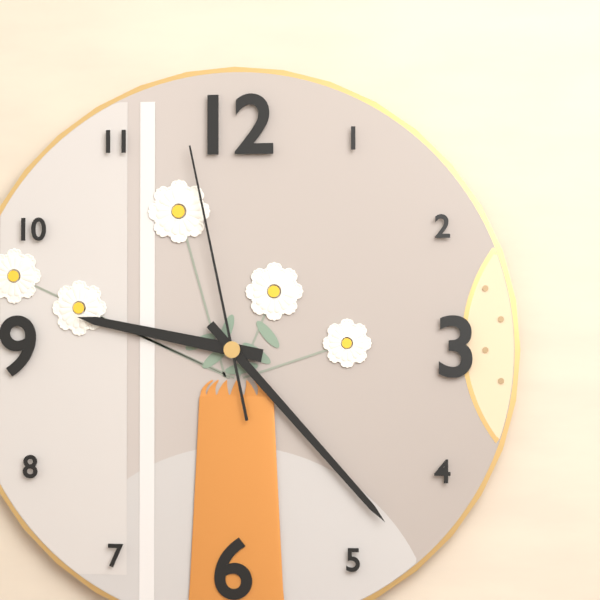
9 h 23 min 58 s
